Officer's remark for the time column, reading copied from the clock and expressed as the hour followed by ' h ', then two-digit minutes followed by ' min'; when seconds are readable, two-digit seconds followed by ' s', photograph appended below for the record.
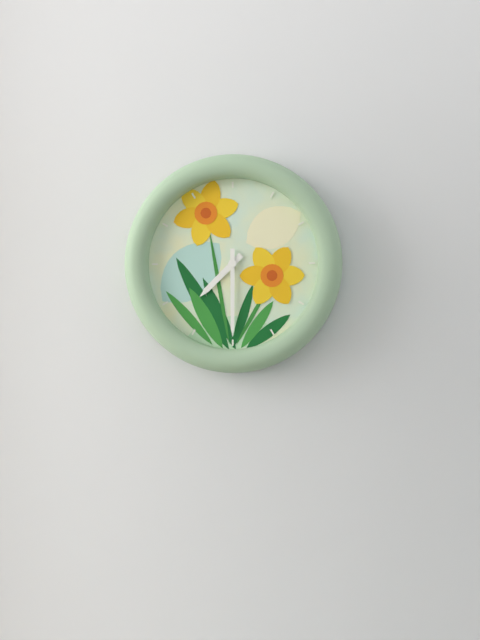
7 h 30 min
